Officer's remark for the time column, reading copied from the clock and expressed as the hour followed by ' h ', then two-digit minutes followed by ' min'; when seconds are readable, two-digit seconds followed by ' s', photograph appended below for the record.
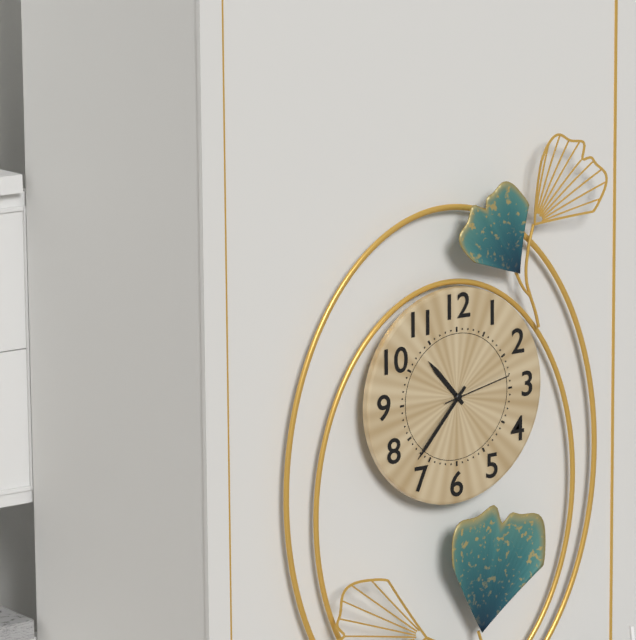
10 h 37 min 13 s
